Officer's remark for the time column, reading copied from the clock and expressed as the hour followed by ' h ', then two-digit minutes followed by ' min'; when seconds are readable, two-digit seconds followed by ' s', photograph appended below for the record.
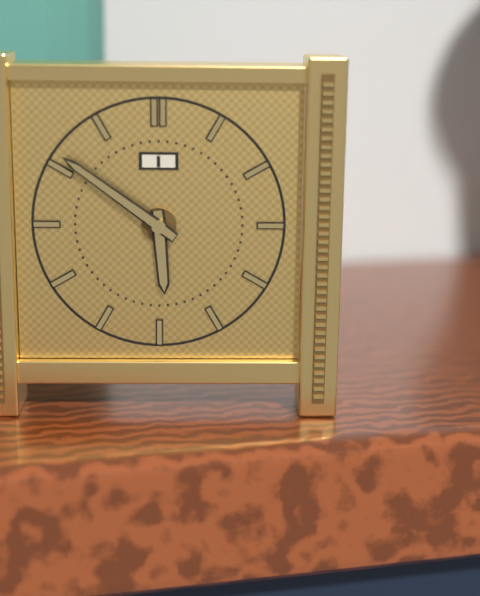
5 h 51 min
